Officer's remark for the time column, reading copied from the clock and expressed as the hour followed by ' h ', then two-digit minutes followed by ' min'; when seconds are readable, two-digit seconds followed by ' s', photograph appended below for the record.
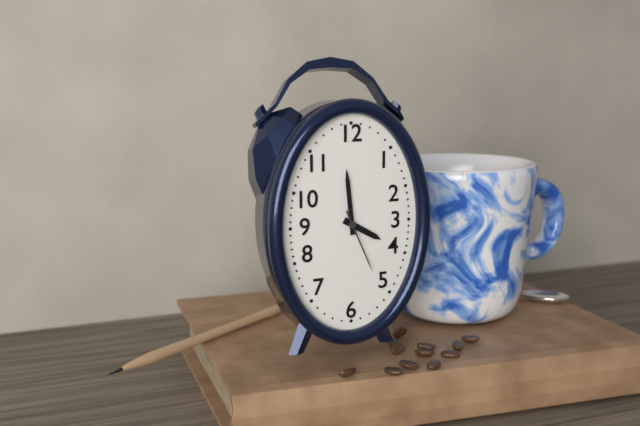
3 h 59 min 26 s
